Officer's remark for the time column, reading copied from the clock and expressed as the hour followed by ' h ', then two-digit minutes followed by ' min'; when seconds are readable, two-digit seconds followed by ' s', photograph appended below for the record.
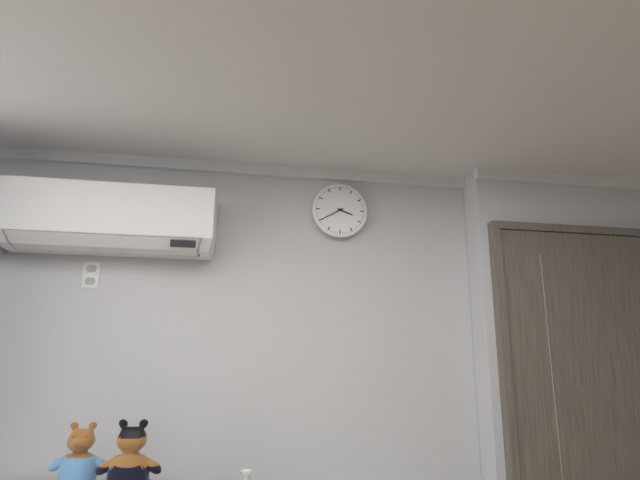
3 h 40 min
